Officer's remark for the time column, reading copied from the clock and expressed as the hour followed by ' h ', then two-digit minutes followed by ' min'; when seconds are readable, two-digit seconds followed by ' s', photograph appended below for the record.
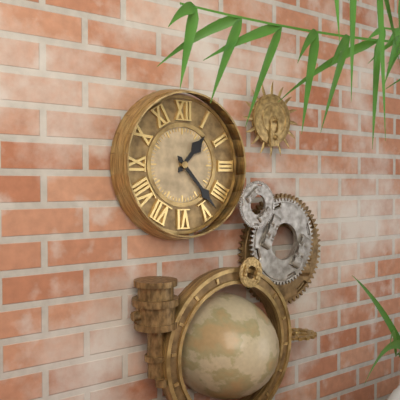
1 h 23 min
